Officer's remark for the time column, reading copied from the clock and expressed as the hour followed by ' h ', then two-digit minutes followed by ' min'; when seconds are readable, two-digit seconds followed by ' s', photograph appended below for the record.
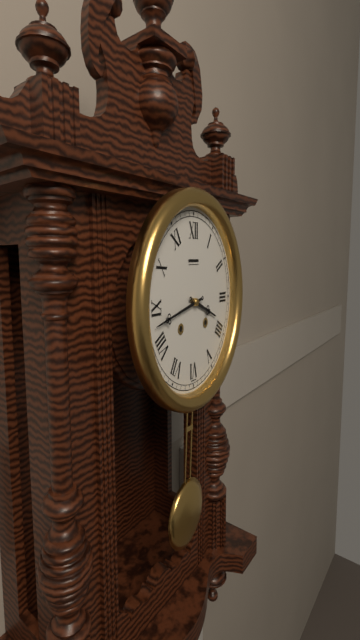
3 h 43 min
